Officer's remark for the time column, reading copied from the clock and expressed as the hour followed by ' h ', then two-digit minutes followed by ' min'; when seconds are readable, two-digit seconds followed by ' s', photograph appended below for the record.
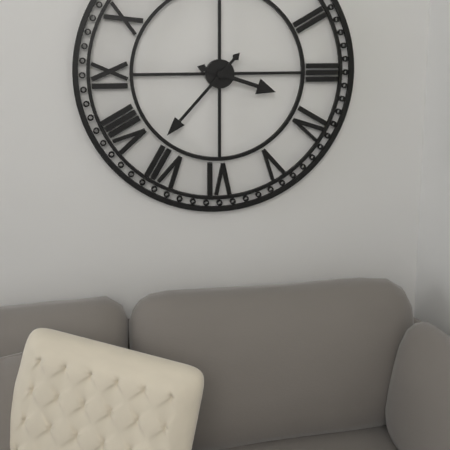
3 h 37 min
